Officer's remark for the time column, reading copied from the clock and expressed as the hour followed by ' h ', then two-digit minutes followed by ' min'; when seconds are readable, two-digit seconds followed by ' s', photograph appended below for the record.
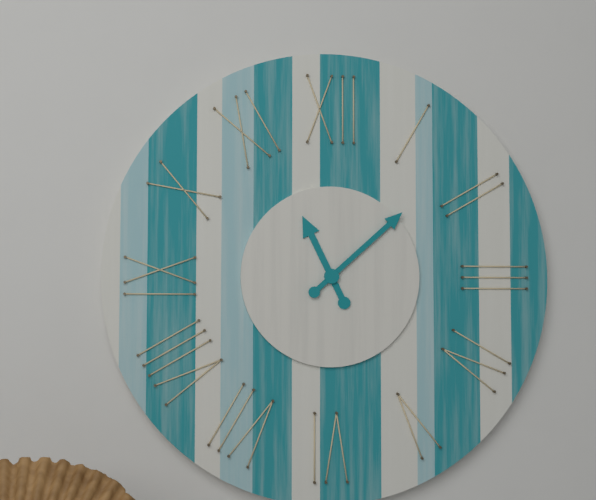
11 h 08 min
